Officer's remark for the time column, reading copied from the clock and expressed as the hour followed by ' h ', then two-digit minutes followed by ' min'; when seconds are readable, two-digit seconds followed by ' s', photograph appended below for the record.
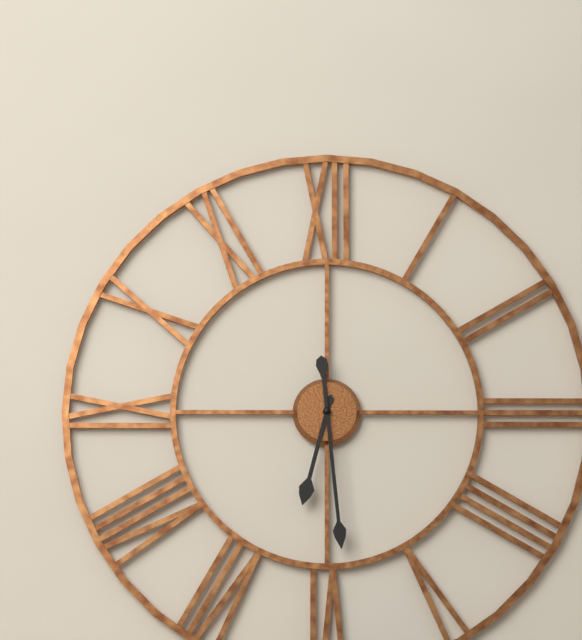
6 h 29 min
